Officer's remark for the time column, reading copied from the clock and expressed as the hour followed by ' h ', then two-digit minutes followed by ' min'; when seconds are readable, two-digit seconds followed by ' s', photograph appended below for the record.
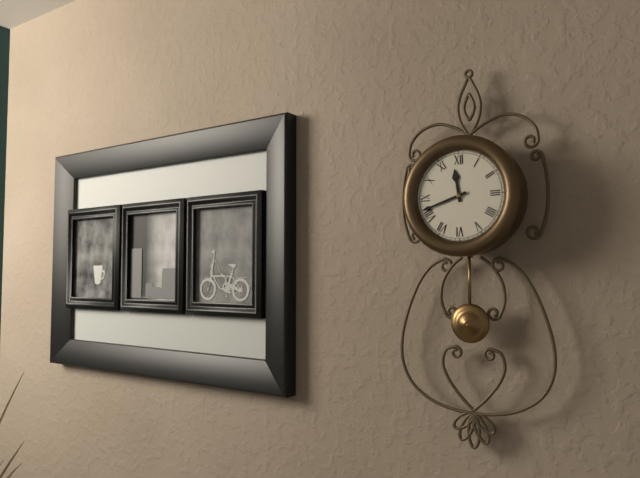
11 h 42 min
